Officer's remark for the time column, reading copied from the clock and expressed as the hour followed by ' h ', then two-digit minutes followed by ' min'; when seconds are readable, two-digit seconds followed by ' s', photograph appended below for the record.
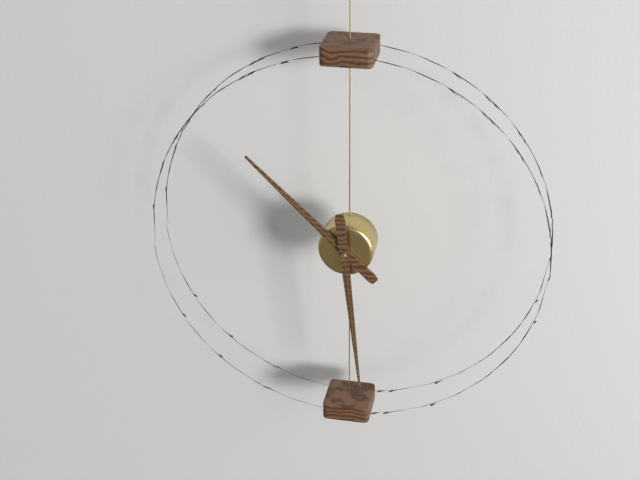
10 h 29 min
